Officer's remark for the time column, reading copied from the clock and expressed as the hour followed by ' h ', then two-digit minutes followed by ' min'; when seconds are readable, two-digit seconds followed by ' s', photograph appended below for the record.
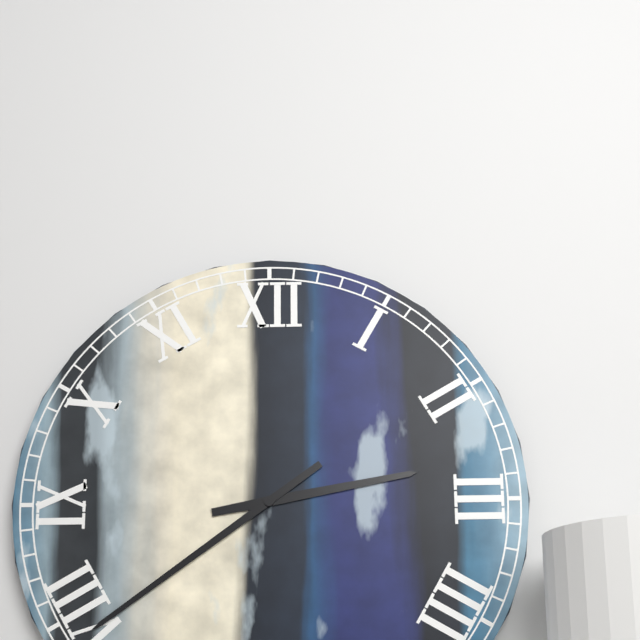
2 h 39 min
